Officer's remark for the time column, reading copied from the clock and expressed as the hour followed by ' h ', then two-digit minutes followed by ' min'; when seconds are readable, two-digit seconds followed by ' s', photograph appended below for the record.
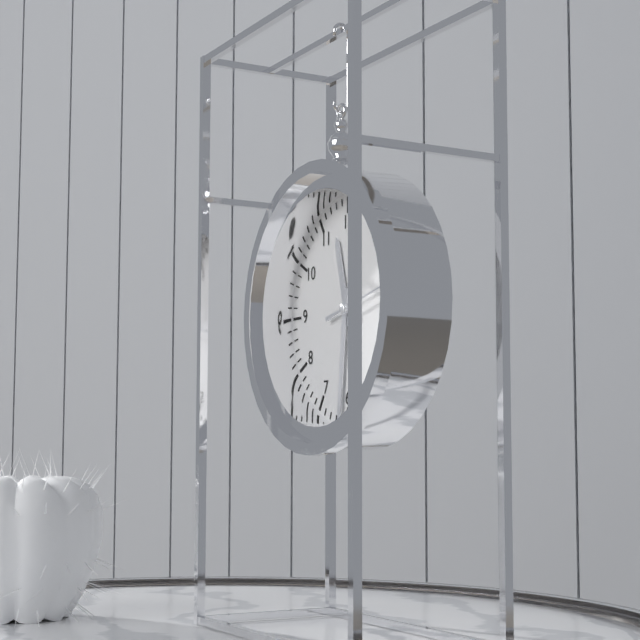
11 h 31 min
